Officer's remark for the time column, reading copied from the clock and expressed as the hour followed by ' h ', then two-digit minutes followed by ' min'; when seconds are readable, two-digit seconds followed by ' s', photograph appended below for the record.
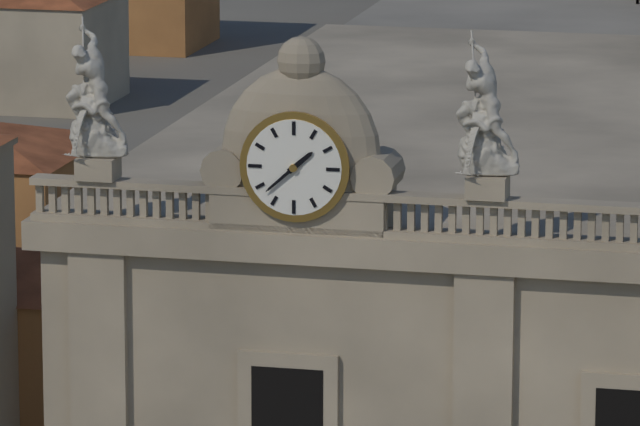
1 h 38 min
